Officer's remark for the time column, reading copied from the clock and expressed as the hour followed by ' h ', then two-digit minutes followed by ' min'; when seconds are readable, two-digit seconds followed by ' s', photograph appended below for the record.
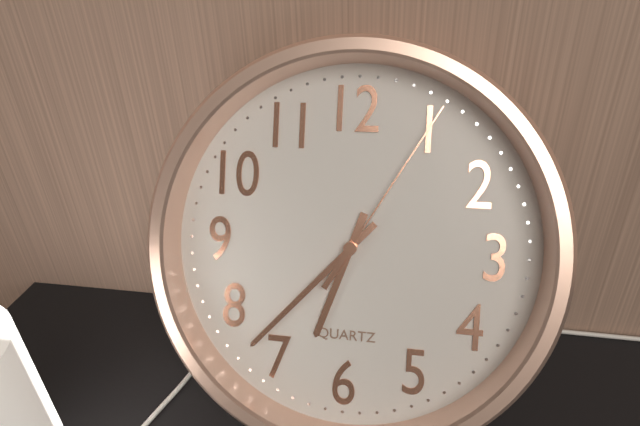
6 h 37 min 05 s
